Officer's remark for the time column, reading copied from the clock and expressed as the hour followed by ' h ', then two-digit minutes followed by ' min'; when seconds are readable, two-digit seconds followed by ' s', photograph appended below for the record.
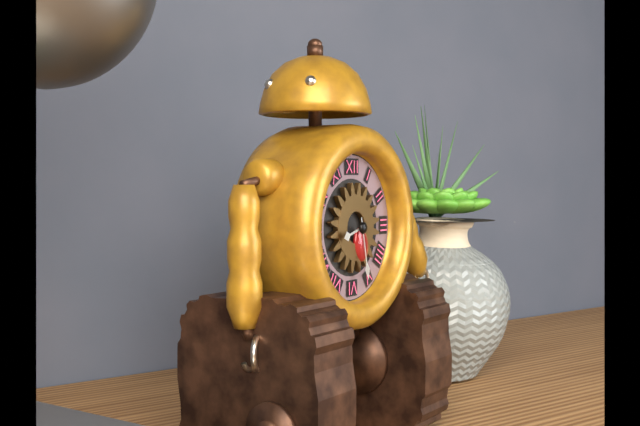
8 h 28 min
